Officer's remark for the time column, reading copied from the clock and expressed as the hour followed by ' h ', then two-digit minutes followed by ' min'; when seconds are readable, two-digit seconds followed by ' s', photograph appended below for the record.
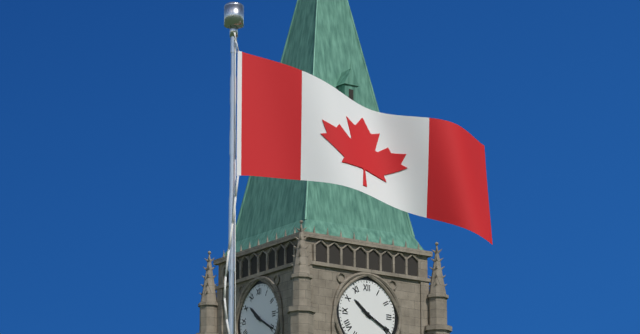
10 h 20 min
